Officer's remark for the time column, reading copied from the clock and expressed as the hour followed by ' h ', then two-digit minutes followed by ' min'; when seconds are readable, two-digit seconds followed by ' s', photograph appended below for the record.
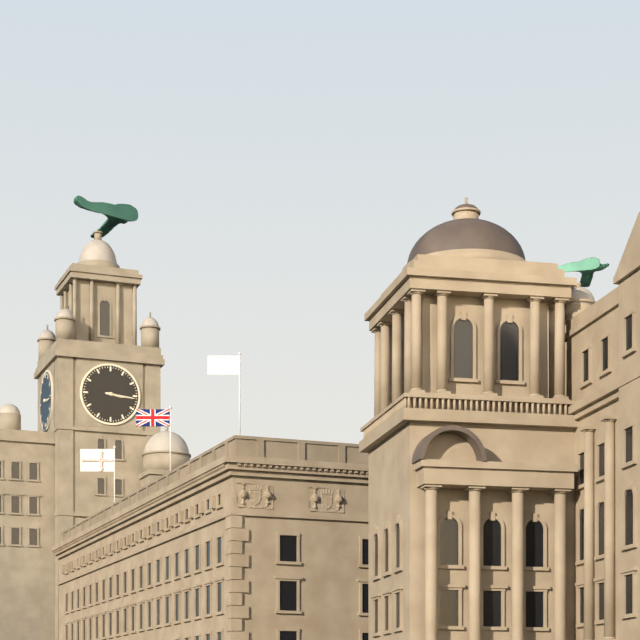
3 h 16 min
